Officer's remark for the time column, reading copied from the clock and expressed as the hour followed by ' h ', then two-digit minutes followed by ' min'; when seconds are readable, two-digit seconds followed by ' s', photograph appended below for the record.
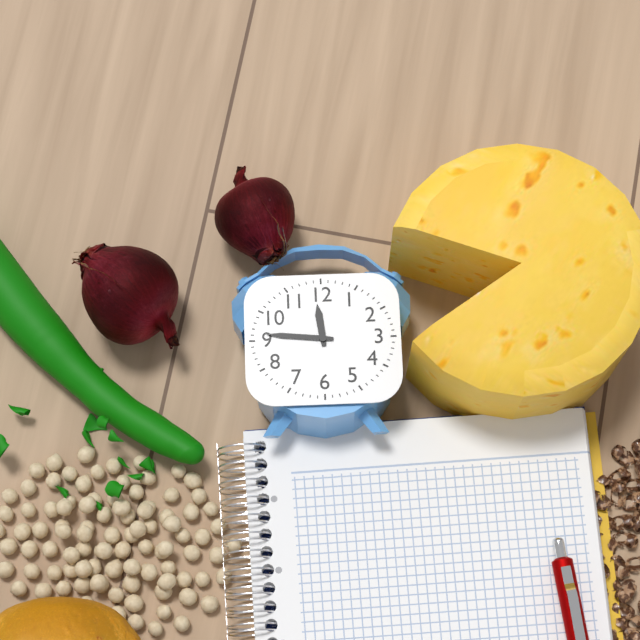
11 h 46 min
